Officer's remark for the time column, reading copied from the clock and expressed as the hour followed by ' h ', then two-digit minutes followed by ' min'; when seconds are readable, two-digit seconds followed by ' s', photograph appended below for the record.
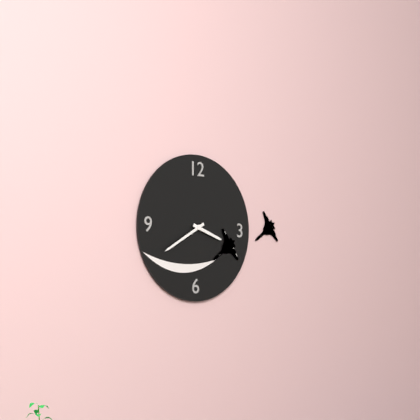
3 h 40 min
